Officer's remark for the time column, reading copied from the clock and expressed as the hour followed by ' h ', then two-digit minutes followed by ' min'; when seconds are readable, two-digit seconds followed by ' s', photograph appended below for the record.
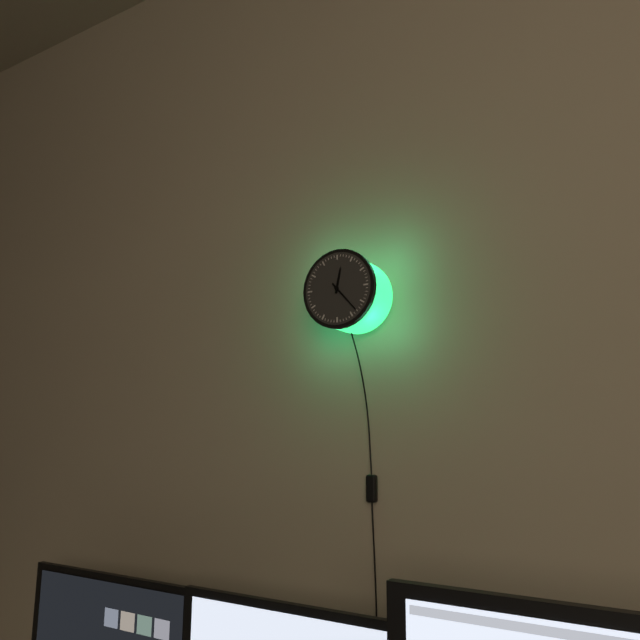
12 h 23 min
